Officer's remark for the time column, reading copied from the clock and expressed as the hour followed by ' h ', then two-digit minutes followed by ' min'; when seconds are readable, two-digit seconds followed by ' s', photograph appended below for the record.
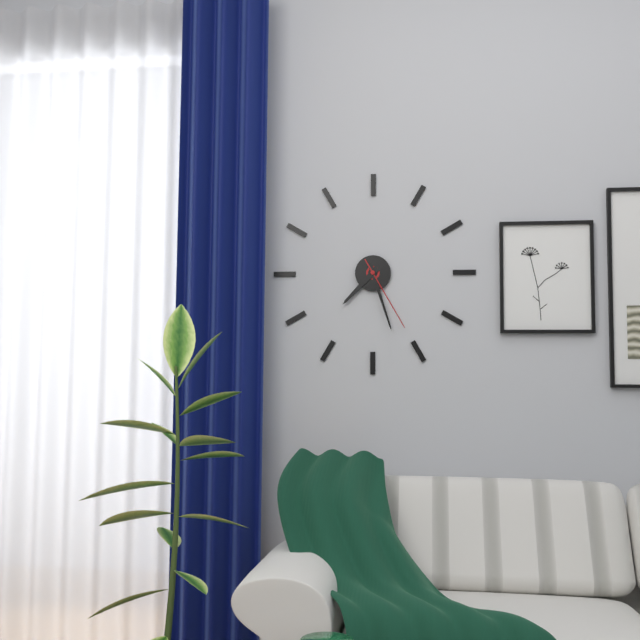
7 h 27 min 25 s
